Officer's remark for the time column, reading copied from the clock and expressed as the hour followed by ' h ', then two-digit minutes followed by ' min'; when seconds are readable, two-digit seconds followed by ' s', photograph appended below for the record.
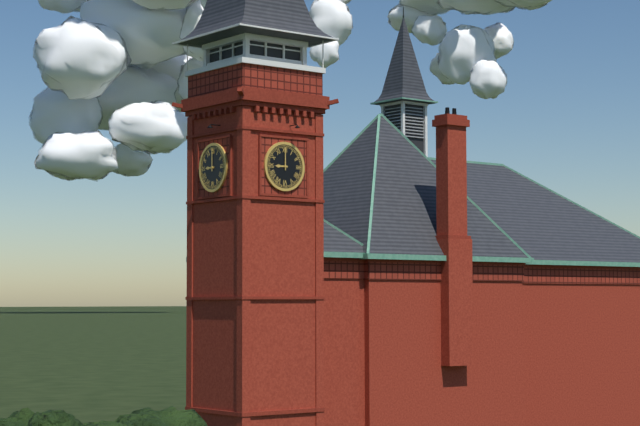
9 h 00 min
